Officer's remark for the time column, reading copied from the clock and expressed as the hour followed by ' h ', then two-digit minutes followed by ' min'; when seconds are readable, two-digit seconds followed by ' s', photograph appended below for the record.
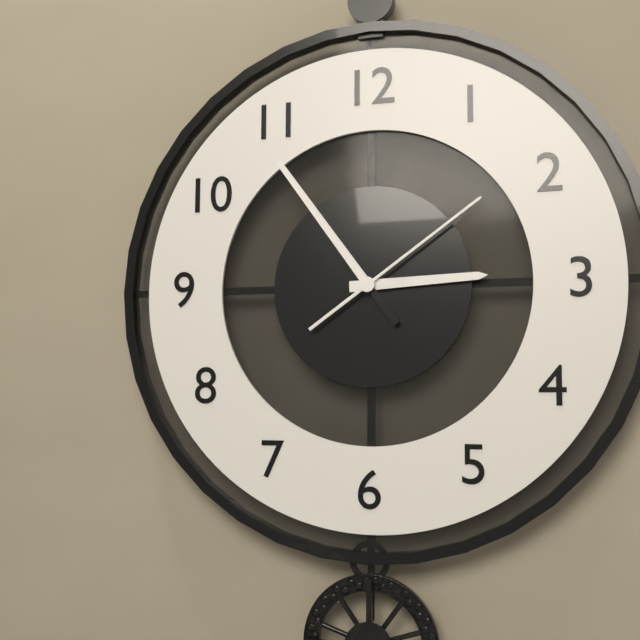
2 h 54 min 09 s
